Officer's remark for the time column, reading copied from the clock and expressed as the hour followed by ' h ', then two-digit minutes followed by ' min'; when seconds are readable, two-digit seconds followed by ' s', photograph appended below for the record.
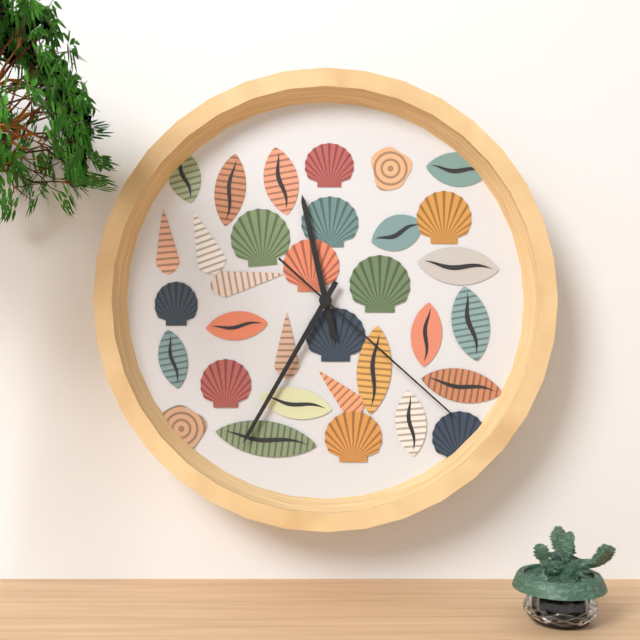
11 h 35 min 22 s
